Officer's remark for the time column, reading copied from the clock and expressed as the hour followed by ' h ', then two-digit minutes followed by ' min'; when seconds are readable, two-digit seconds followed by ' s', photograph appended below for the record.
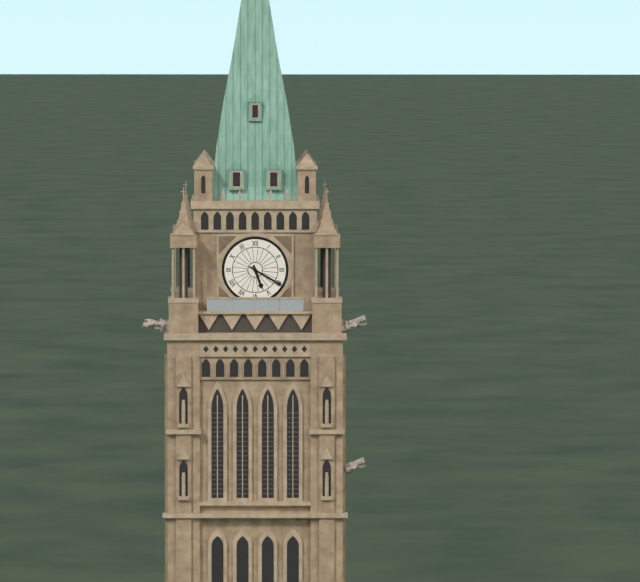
5 h 20 min
